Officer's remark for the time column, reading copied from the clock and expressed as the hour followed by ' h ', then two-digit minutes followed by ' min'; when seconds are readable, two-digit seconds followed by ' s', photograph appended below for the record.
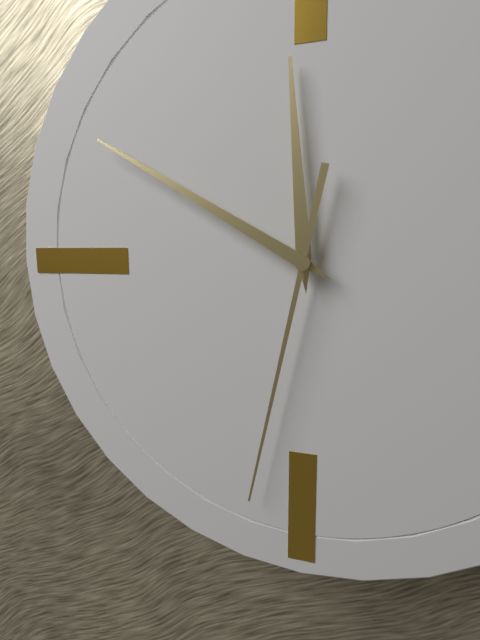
11 h 50 min 32 s
